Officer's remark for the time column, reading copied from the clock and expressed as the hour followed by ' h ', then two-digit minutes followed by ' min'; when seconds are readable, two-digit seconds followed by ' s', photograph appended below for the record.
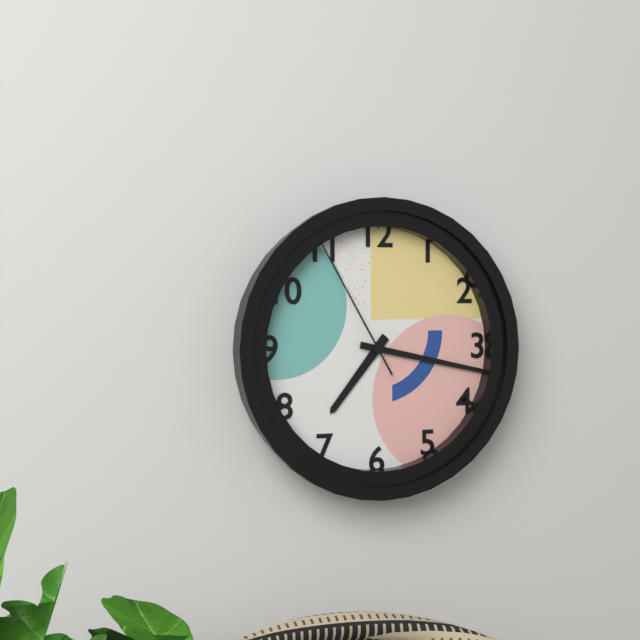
7 h 17 min 55 s
